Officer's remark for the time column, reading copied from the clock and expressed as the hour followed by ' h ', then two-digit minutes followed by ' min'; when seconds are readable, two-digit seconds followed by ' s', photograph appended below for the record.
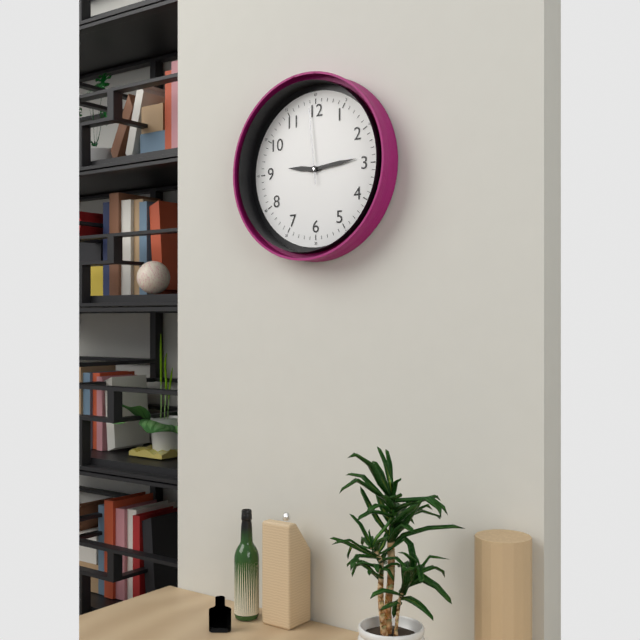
9 h 14 min 59 s
